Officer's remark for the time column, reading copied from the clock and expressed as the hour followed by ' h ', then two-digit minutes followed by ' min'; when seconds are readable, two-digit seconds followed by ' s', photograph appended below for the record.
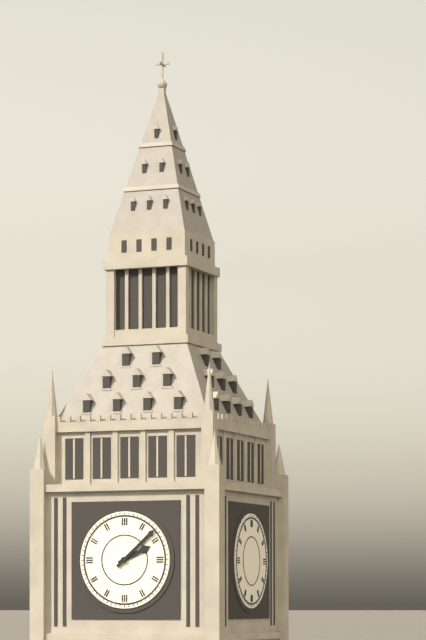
2 h 08 min
